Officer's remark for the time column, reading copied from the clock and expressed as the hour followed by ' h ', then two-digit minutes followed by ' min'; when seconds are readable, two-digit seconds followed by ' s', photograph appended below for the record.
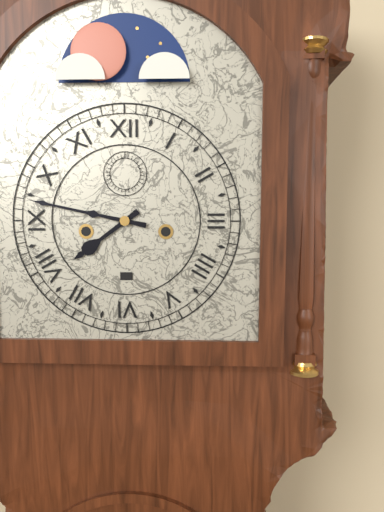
7 h 47 min
